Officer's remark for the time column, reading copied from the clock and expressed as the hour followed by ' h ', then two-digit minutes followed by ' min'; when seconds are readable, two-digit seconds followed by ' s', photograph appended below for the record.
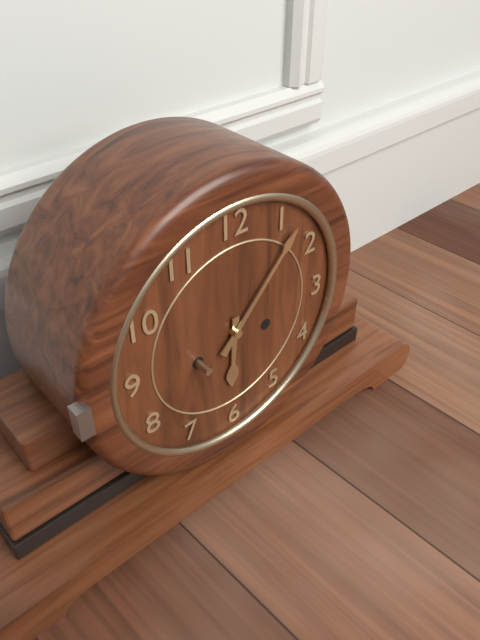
6 h 07 min
